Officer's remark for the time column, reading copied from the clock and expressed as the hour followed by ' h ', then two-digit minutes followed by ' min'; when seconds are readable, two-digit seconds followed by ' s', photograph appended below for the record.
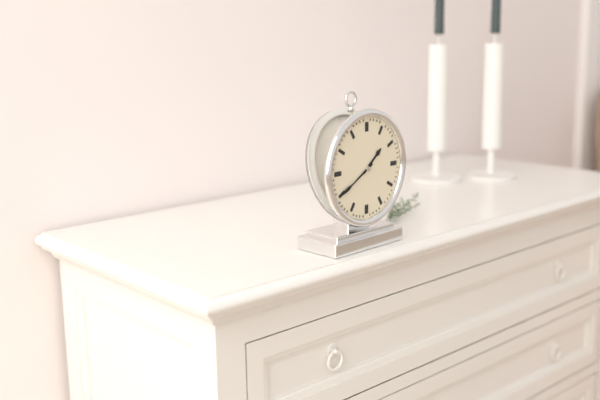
1 h 40 min
